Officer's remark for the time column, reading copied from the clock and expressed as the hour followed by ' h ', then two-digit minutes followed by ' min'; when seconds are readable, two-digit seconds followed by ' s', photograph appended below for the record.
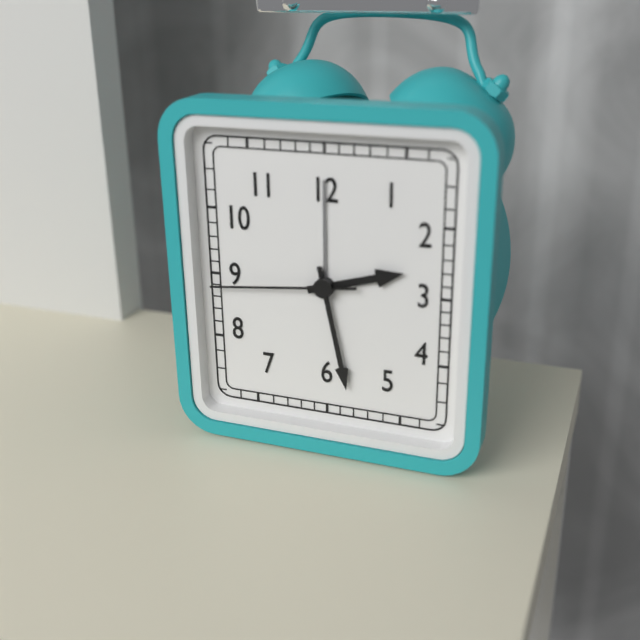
2 h 28 min 44 s
